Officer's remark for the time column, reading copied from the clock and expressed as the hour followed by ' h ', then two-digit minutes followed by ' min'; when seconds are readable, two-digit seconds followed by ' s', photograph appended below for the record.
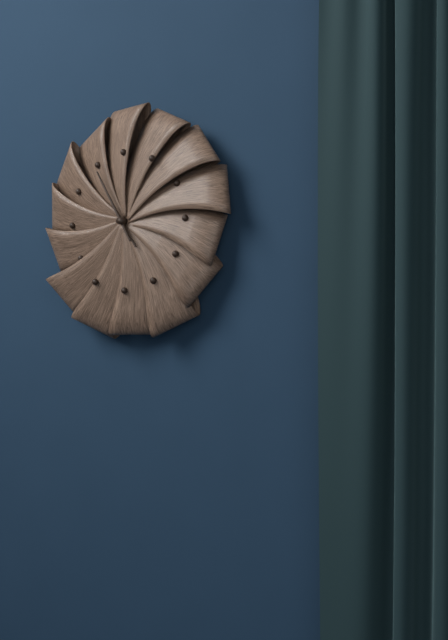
4 h 55 min
